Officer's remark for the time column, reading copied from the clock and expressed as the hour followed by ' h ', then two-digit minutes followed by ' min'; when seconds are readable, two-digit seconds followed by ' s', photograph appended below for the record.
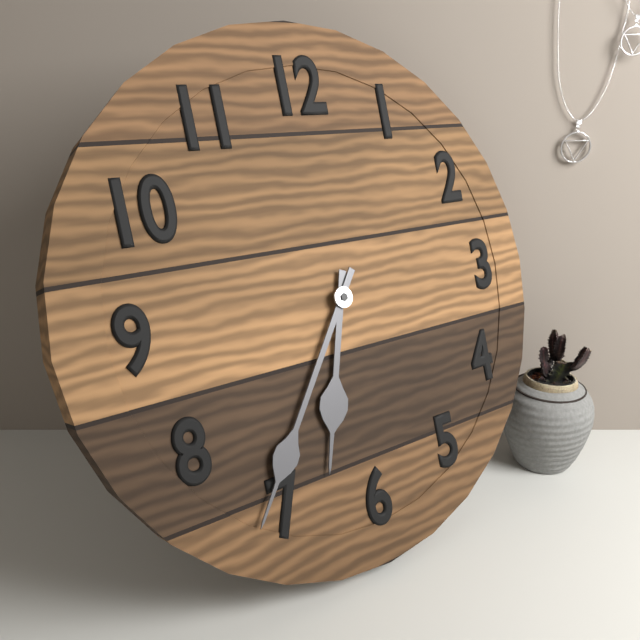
6 h 36 min
